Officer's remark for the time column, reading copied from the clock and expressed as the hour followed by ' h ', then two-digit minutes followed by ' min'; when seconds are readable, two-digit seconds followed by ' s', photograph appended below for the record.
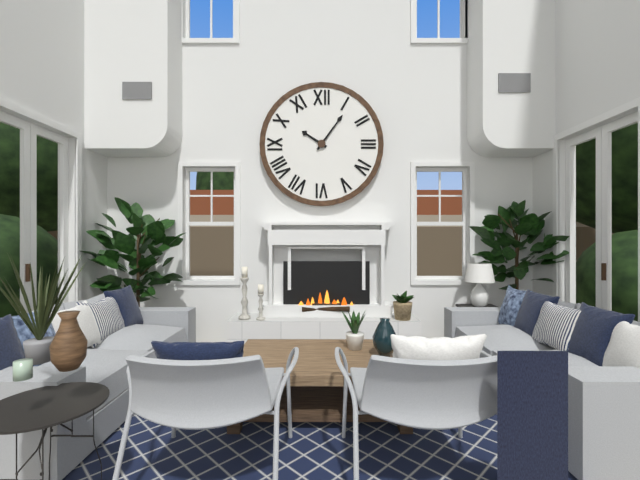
10 h 06 min
